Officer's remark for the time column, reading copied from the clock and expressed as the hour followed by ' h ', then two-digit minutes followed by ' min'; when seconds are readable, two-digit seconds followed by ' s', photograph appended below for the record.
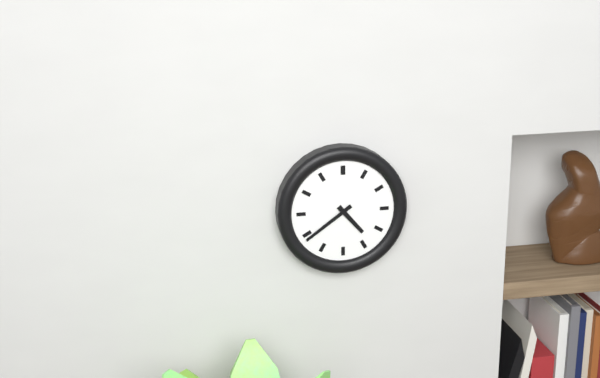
4 h 39 min
